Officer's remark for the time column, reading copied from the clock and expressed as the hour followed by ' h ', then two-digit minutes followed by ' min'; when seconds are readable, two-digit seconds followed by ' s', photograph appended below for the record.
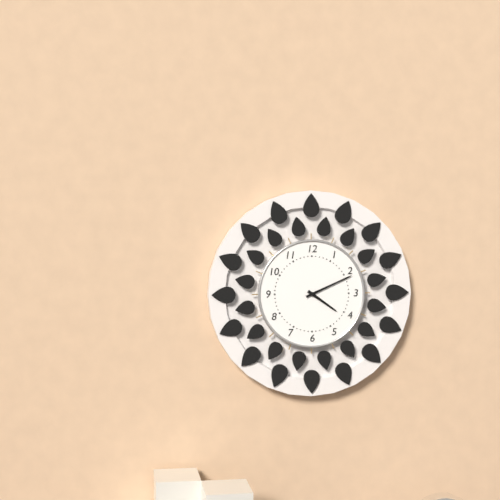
4 h 11 min
